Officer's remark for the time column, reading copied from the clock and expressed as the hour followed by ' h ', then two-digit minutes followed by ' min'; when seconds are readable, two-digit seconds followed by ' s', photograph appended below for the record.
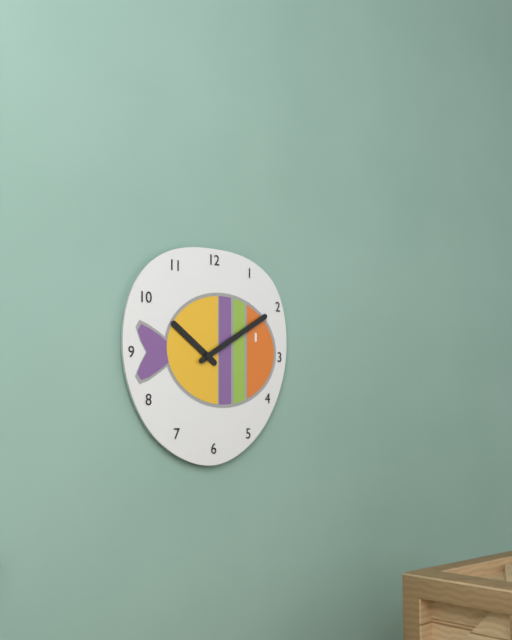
10 h 10 min
